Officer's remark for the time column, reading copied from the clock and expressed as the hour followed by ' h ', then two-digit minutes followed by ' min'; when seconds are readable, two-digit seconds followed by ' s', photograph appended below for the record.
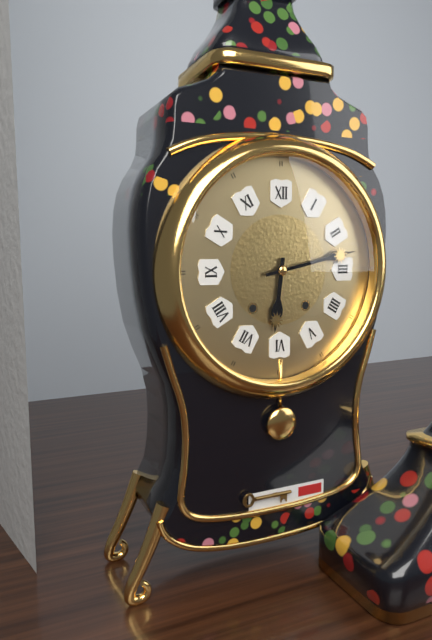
6 h 13 min
